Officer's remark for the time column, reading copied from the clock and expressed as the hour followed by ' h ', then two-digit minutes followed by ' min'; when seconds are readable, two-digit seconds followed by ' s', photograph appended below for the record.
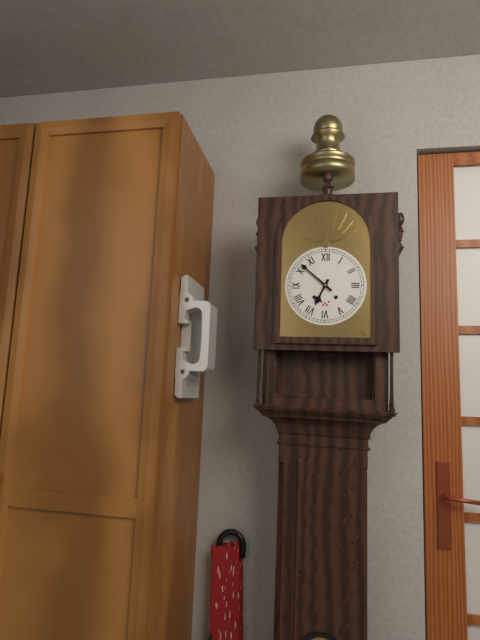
6 h 52 min
